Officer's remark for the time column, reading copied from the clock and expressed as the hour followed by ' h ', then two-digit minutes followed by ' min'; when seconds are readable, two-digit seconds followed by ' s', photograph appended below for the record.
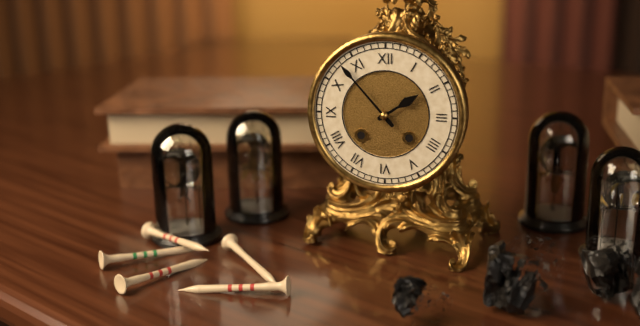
1 h 53 min
